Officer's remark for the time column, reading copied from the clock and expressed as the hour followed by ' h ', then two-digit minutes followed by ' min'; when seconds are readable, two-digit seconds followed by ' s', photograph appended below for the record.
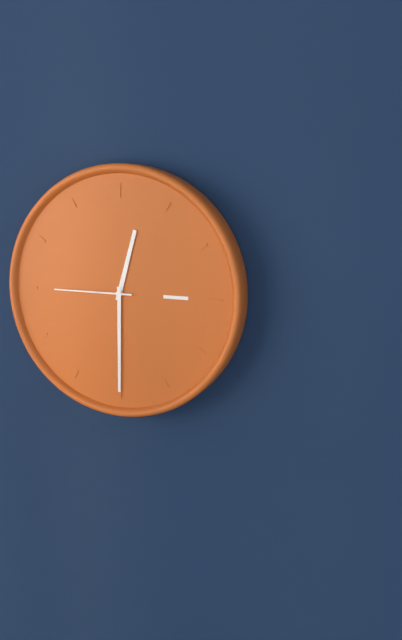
12 h 30 min 45 s
